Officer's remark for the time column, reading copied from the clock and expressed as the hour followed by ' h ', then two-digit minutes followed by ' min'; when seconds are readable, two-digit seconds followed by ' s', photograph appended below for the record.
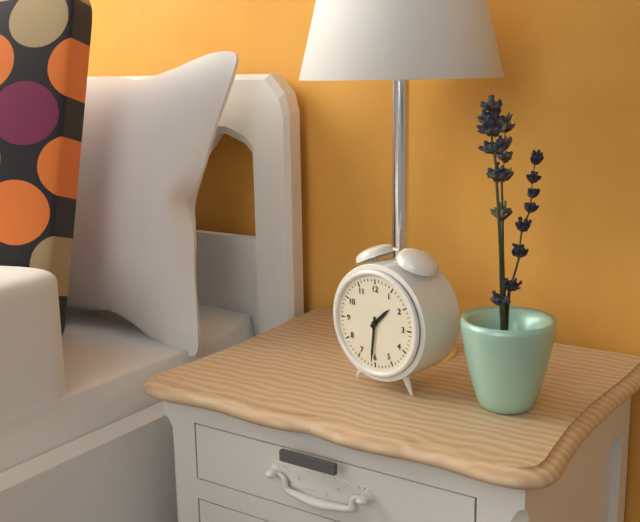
1 h 31 min
